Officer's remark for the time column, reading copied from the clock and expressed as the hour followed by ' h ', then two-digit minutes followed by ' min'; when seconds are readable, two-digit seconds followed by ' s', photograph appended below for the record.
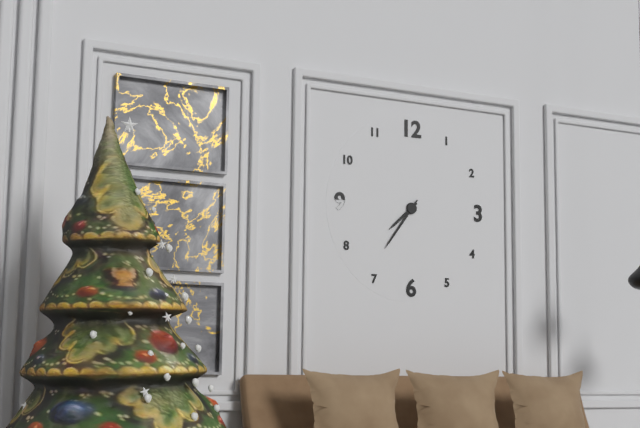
7 h 36 min
